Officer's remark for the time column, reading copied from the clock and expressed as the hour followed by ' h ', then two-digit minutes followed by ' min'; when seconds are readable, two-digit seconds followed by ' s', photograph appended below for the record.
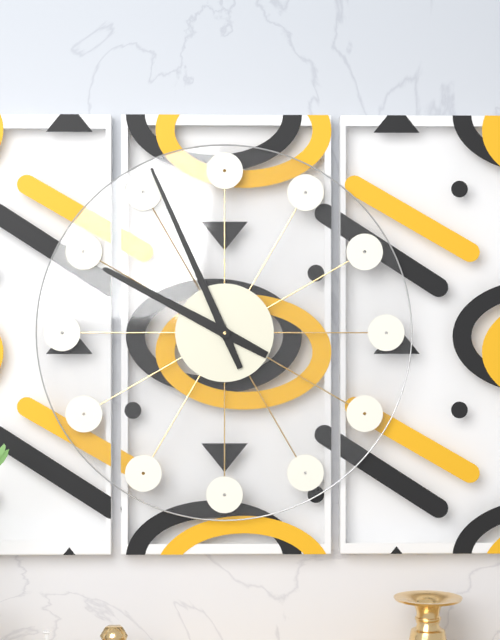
9 h 56 min
